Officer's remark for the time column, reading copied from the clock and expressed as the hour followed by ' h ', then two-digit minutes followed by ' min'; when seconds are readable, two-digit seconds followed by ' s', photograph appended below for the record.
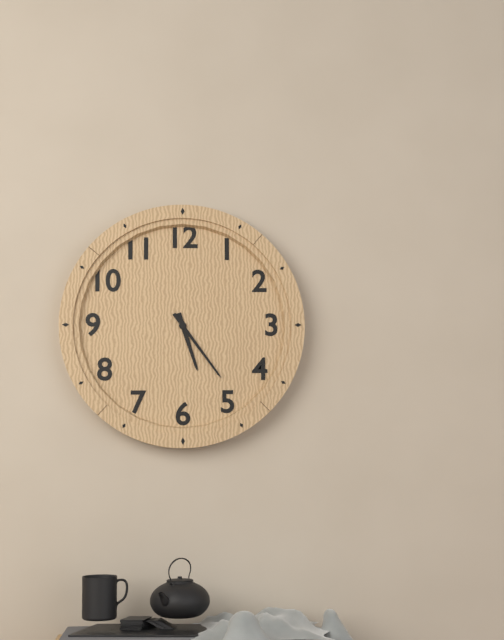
5 h 24 min
